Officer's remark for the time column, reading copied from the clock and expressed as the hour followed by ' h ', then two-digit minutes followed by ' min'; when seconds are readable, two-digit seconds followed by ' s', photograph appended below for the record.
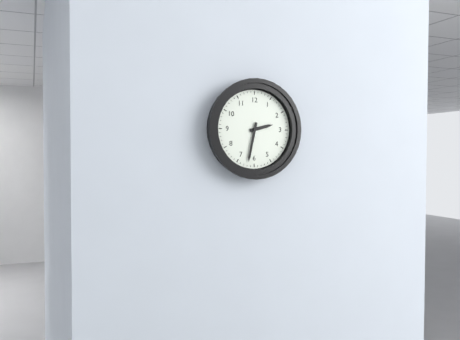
2 h 32 min
